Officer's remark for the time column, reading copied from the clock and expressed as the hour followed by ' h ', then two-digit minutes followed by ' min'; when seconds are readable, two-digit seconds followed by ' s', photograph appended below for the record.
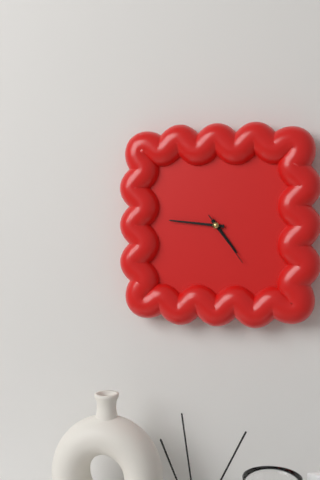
4 h 46 min 24 s
